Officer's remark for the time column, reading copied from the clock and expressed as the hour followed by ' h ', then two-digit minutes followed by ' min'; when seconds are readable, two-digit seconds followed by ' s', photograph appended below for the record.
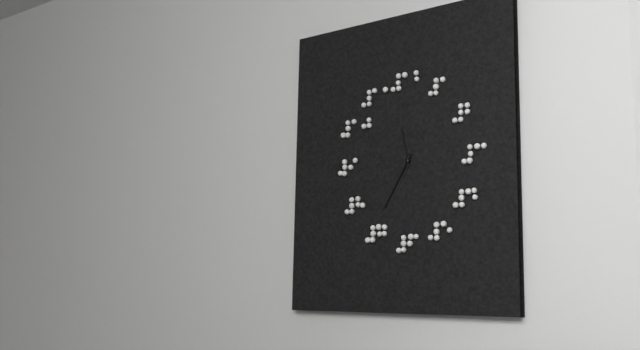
11 h 35 min
